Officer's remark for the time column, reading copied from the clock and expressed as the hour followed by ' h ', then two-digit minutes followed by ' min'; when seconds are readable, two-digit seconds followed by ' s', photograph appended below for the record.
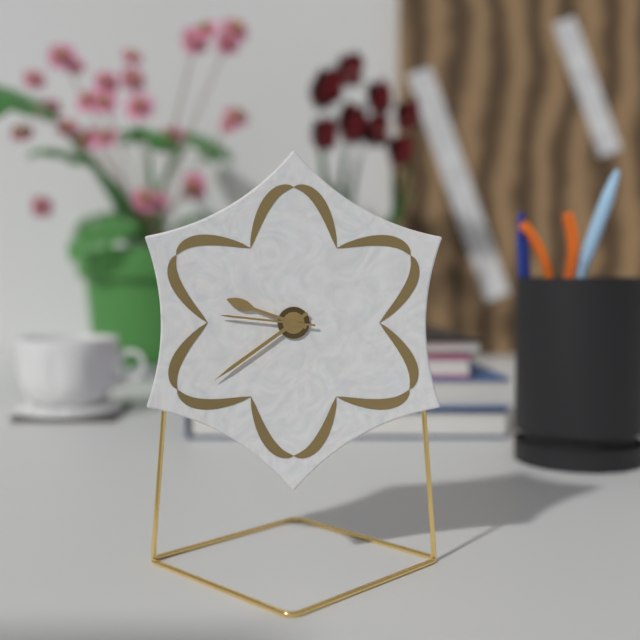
9 h 39 min 46 s
